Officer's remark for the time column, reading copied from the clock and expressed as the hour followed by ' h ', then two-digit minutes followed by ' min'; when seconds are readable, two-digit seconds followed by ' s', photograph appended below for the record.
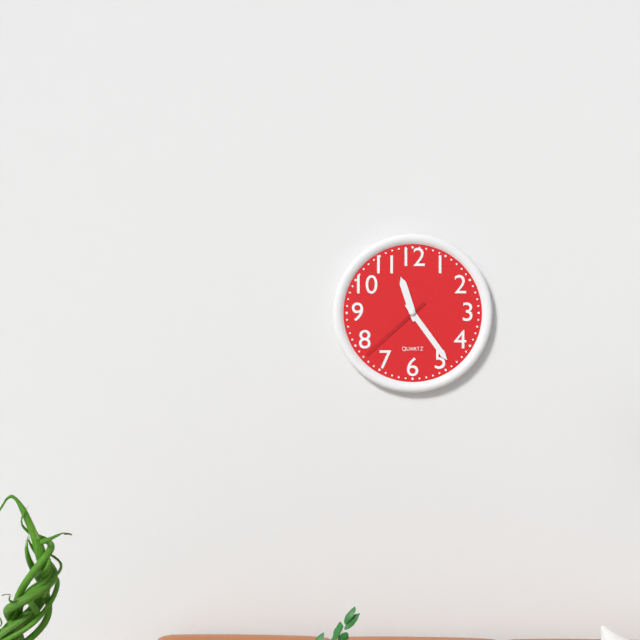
11 h 24 min 38 s
